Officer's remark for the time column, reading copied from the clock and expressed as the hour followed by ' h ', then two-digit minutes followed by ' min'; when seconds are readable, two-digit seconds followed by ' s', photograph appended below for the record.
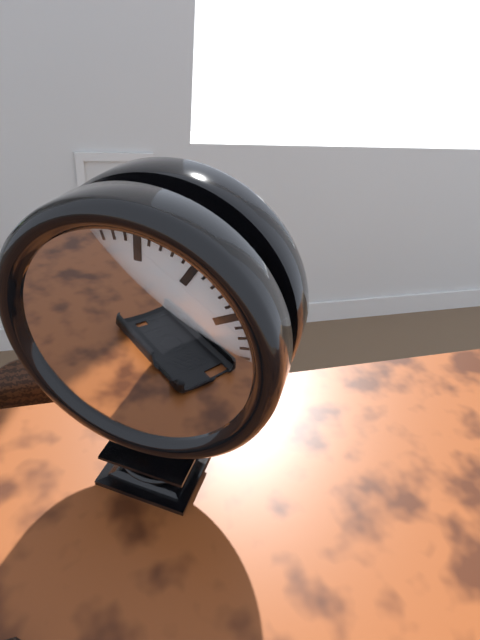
2 h 24 min 51 s
